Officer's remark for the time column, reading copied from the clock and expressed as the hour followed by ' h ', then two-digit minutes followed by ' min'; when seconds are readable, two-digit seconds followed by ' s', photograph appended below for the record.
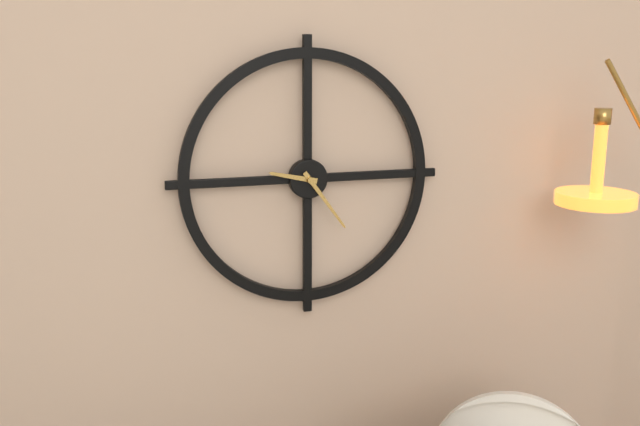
9 h 24 min
